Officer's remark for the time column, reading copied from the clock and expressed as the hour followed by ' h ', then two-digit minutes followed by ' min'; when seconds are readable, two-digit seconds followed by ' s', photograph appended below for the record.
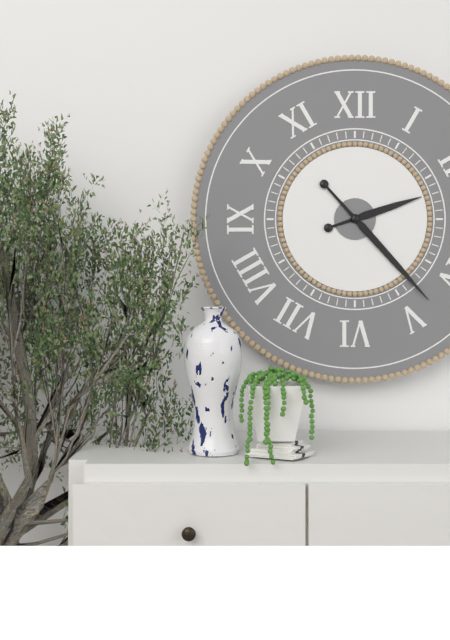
2 h 23 min
